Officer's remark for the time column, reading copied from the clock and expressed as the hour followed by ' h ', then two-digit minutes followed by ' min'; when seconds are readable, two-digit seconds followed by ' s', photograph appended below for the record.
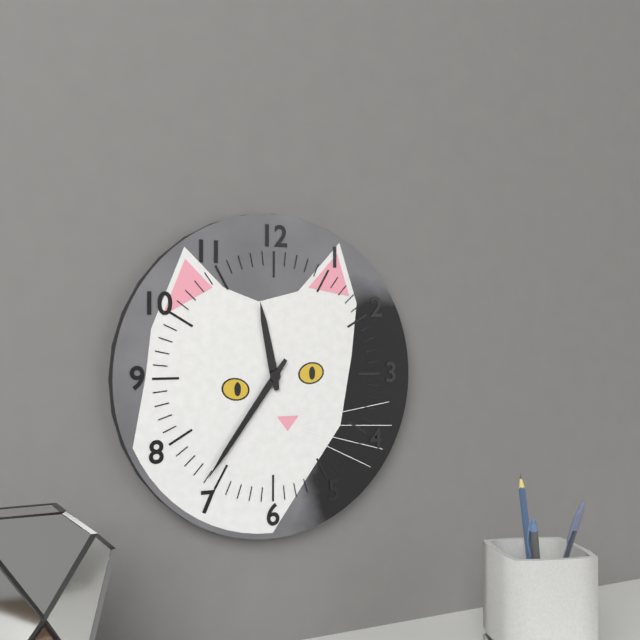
11 h 36 min
